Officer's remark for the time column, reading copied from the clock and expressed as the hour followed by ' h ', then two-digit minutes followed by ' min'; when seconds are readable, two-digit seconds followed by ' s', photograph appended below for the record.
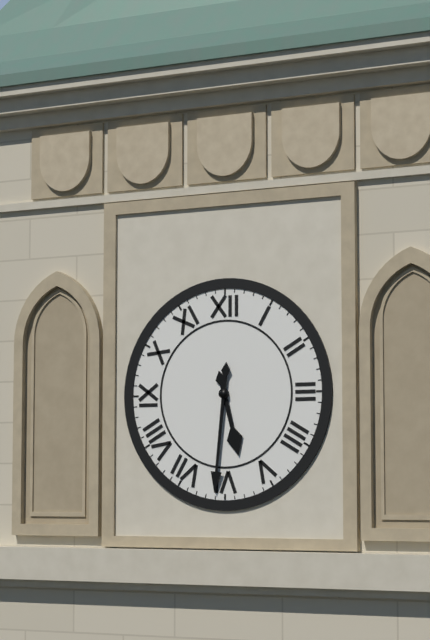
5 h 31 min
